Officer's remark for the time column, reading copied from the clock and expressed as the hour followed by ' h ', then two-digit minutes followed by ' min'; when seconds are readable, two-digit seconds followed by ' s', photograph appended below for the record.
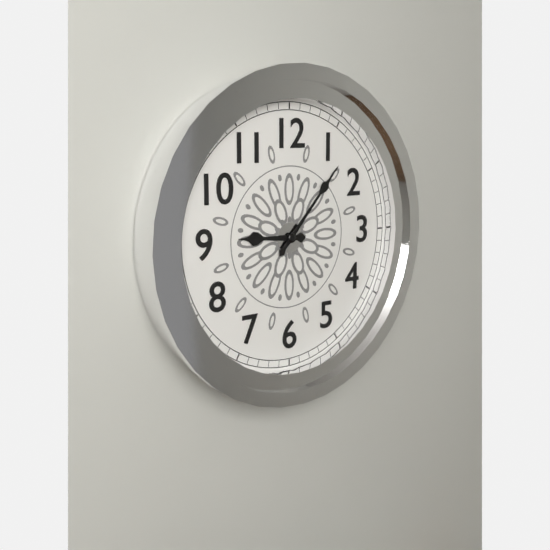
9 h 07 min
